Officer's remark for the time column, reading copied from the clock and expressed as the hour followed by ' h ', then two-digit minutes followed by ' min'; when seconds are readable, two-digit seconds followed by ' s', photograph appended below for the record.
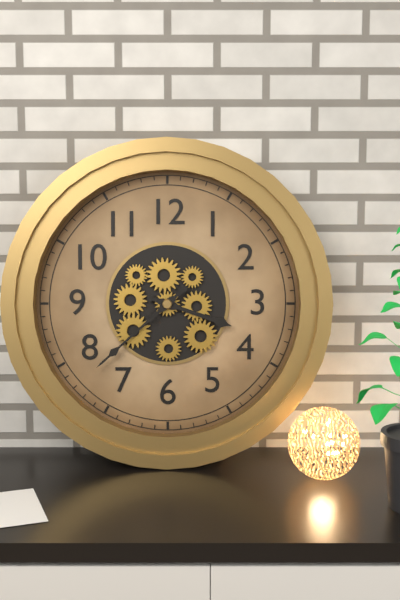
3 h 38 min
